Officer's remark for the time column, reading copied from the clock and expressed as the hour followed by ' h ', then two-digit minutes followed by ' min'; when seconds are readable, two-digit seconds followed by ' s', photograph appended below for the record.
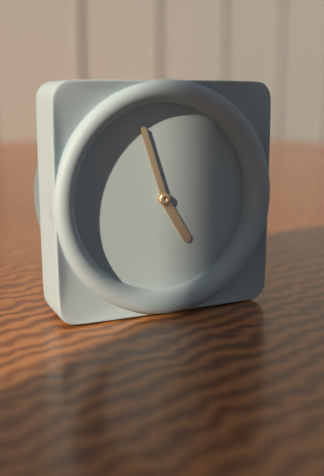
4 h 57 min
